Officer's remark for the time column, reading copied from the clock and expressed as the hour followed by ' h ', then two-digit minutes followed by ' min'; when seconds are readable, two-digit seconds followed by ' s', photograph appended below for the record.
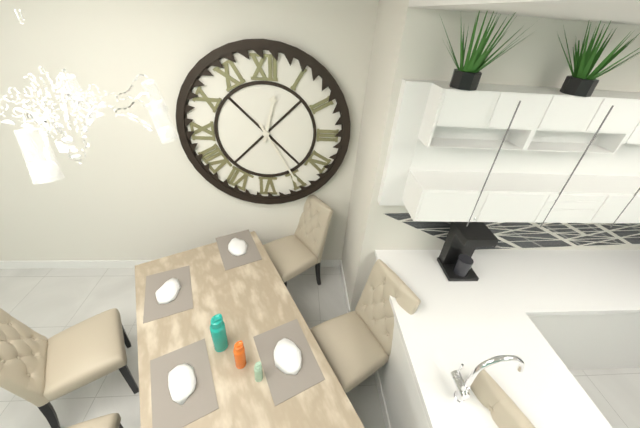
12 h 25 min
